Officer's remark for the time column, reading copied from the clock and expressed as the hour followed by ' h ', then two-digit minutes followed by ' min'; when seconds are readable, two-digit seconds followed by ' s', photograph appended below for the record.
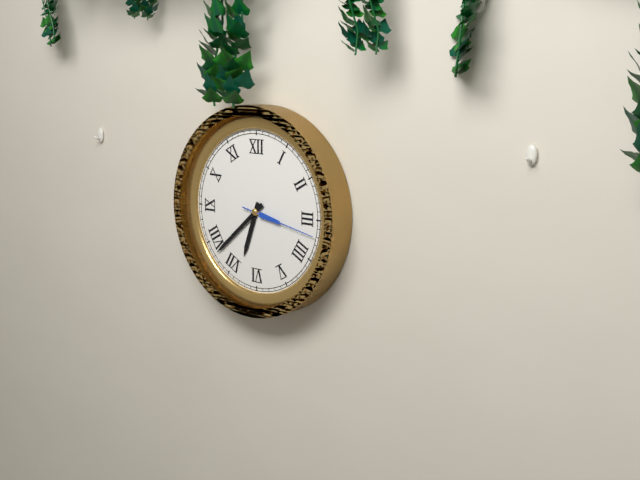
6 h 38 min 17 s
